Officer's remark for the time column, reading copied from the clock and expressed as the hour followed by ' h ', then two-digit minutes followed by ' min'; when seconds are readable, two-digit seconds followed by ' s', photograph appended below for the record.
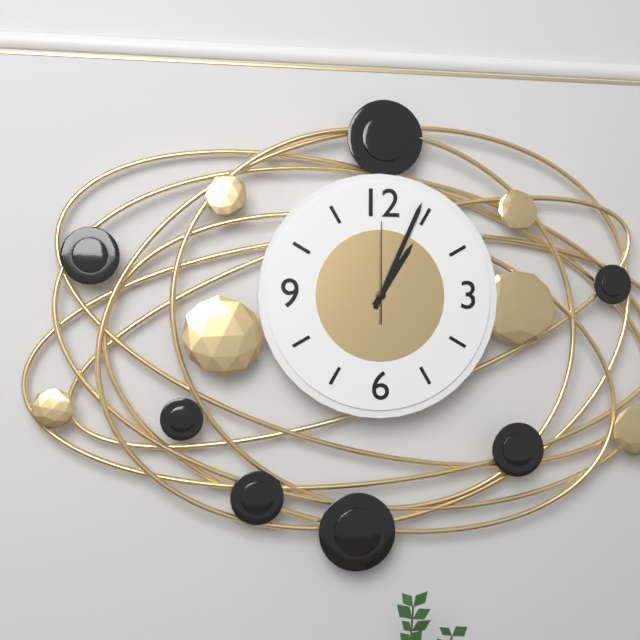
1 h 04 min 00 s
